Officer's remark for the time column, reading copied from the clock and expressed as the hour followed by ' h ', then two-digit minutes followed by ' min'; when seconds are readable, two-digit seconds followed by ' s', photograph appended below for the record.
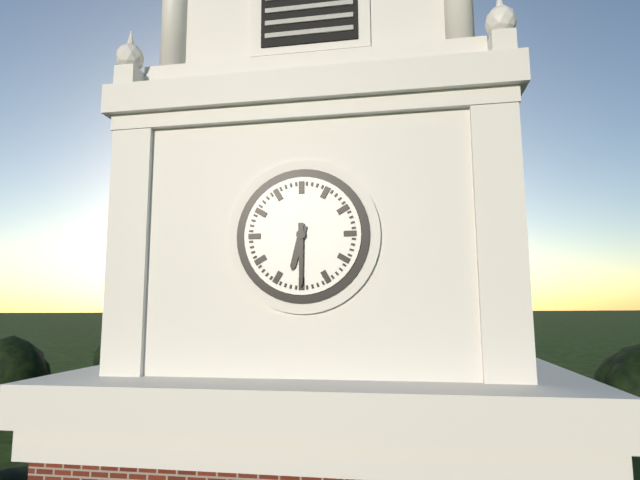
6 h 30 min
